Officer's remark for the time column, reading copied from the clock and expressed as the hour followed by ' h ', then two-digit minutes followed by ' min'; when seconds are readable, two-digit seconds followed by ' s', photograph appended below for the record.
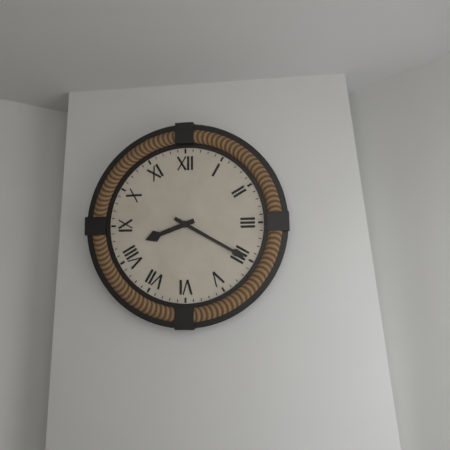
8 h 20 min
